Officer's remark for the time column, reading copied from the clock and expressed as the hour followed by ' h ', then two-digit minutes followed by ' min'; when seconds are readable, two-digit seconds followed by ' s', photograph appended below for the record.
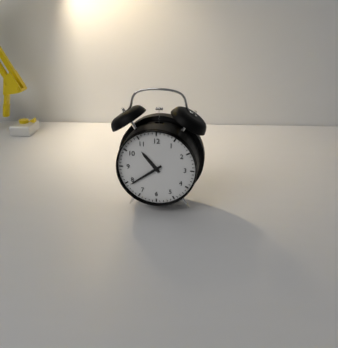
10 h 39 min
